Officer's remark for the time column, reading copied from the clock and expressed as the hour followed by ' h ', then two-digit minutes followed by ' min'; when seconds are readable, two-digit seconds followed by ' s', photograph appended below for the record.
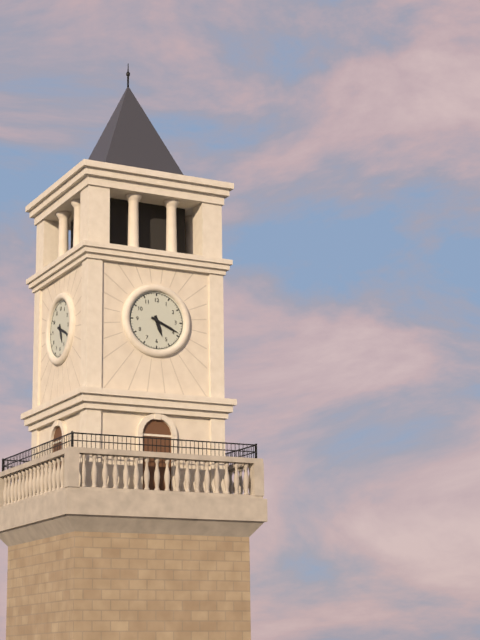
5 h 19 min
